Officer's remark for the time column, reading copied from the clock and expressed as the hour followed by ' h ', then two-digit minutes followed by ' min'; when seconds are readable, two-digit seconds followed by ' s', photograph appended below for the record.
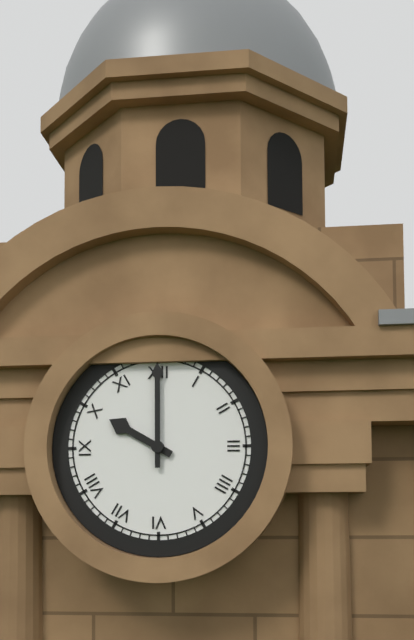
10 h 00 min
